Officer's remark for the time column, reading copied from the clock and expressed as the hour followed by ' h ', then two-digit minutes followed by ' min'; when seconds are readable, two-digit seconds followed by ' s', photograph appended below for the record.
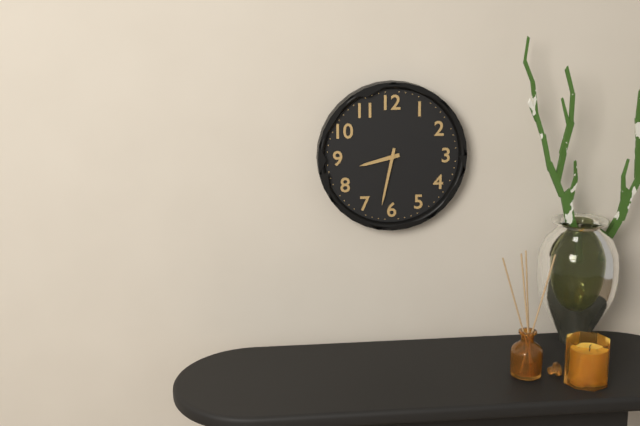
8 h 32 min
